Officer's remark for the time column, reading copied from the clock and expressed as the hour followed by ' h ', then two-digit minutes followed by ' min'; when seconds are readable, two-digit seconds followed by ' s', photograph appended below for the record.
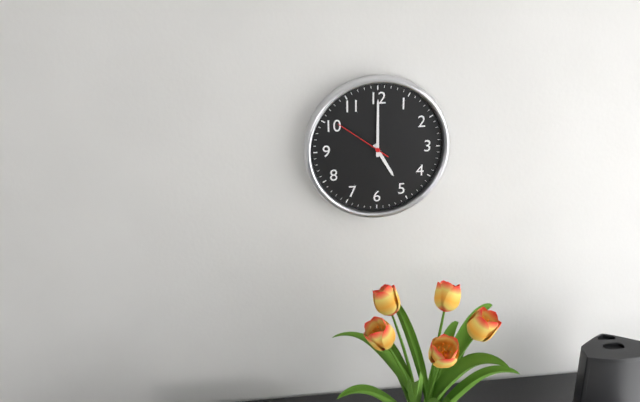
5 h 00 min 51 s
